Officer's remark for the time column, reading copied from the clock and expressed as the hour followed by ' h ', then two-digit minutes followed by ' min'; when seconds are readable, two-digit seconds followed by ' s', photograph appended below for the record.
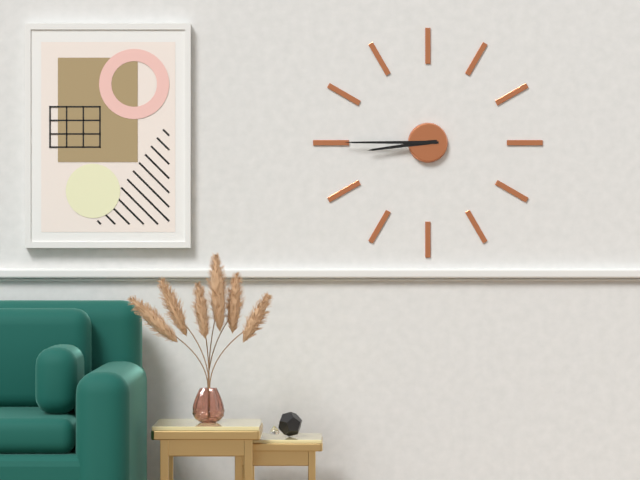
8 h 45 min
